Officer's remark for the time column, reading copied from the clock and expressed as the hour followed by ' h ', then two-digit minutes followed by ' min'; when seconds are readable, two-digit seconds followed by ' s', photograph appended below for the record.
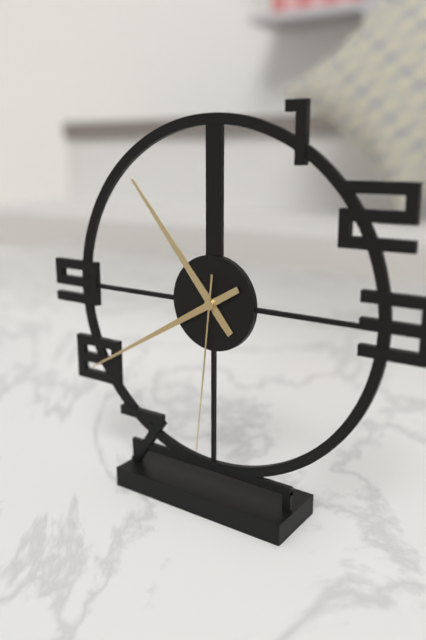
10 h 40 min 31 s
